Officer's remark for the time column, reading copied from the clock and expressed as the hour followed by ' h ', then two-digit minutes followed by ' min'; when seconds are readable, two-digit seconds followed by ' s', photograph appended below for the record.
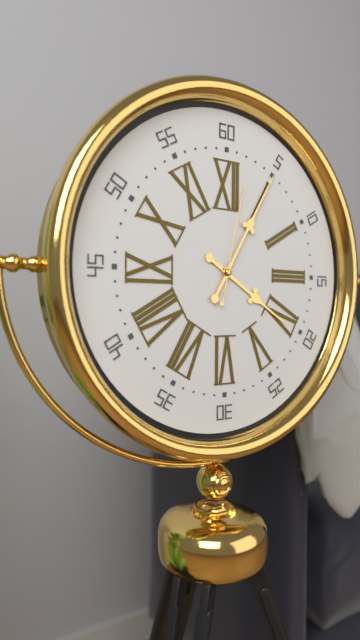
4 h 05 min 02 s
